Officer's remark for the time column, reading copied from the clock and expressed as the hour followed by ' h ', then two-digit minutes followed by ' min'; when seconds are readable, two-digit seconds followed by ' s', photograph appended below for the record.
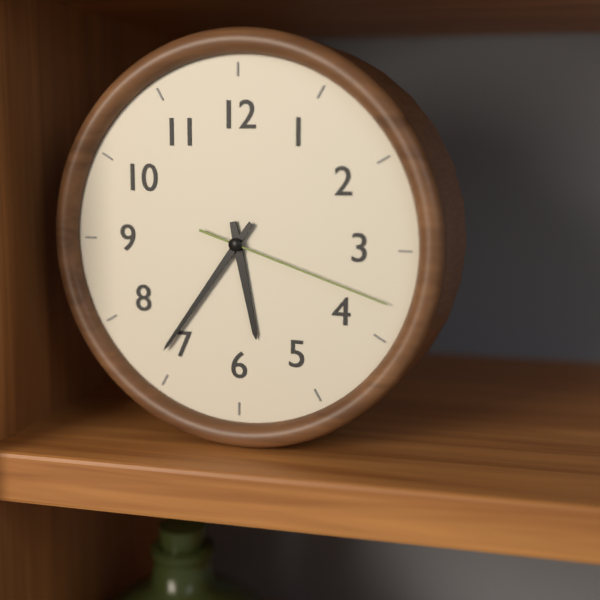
5 h 36 min 18 s
